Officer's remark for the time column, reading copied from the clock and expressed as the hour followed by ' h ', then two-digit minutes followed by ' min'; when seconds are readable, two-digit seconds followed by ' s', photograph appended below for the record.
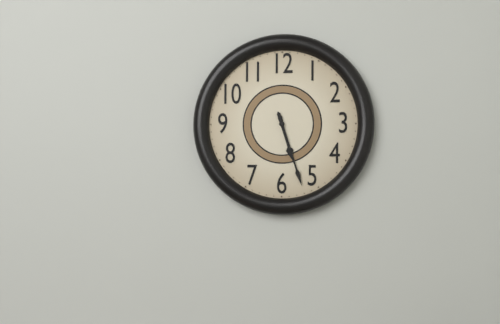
5 h 27 min
